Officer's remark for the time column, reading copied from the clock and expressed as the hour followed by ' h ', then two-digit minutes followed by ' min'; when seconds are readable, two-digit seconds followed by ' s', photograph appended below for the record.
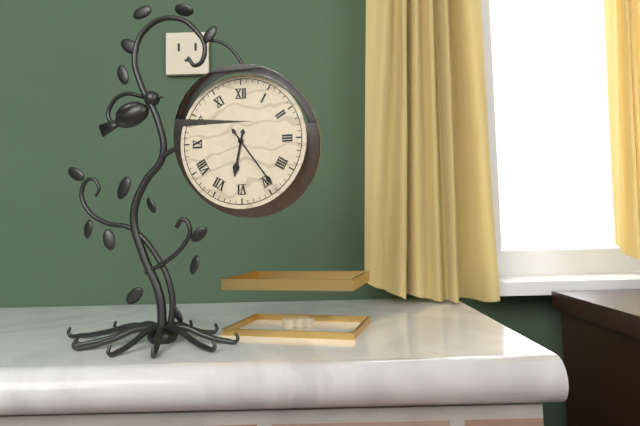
6 h 24 min
